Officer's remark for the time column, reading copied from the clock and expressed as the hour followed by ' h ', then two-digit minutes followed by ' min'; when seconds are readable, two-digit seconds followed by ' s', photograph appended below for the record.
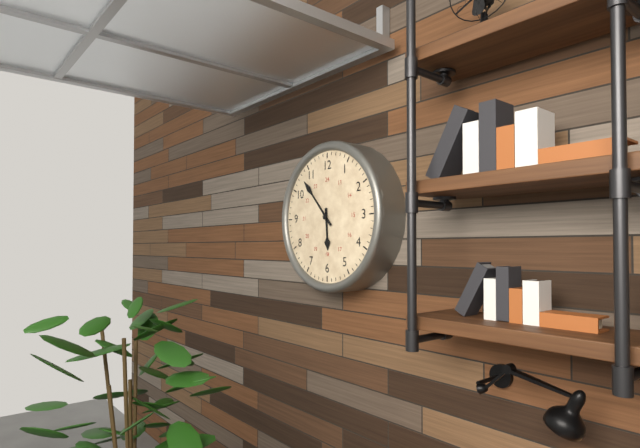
5 h 53 min
